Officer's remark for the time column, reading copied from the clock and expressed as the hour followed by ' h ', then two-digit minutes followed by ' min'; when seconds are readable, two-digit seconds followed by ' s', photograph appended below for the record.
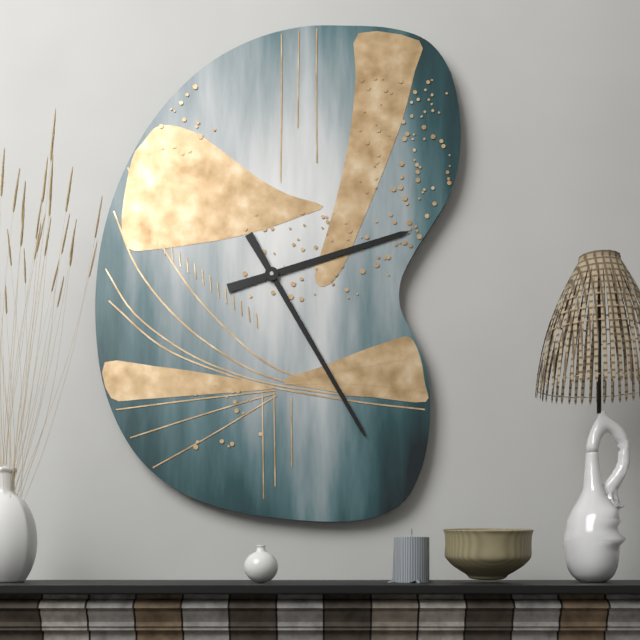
2 h 25 min
